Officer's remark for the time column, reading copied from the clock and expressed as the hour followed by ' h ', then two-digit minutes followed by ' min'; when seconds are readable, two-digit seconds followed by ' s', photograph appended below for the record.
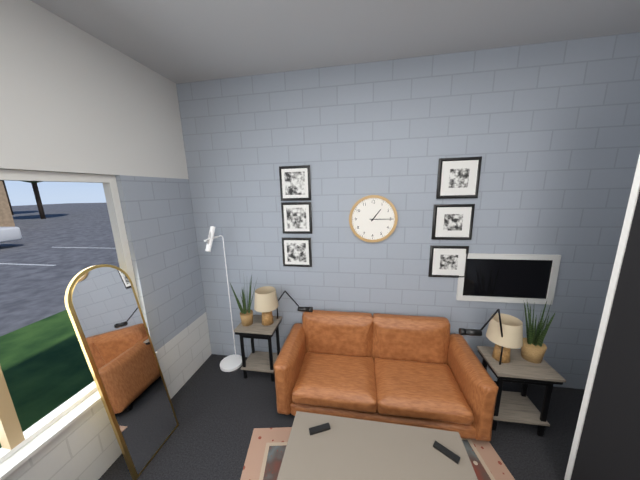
1 h 15 min
